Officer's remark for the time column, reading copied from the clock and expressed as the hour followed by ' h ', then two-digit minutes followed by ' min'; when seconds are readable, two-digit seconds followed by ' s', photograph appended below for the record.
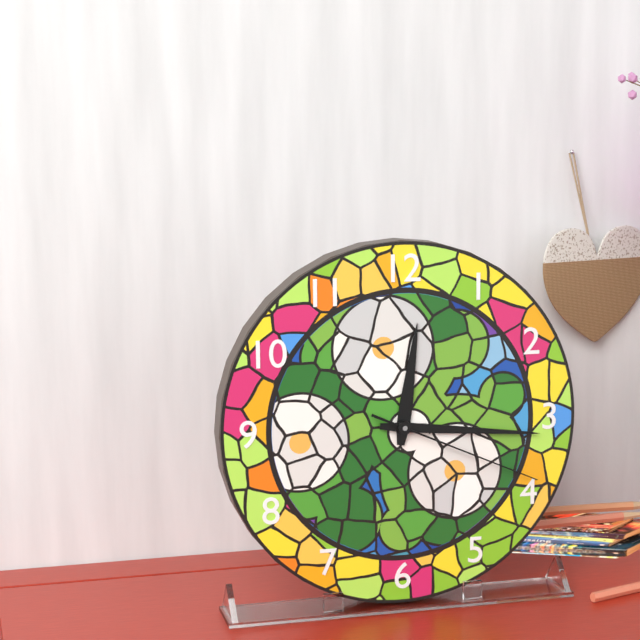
12 h 16 min 19 s
